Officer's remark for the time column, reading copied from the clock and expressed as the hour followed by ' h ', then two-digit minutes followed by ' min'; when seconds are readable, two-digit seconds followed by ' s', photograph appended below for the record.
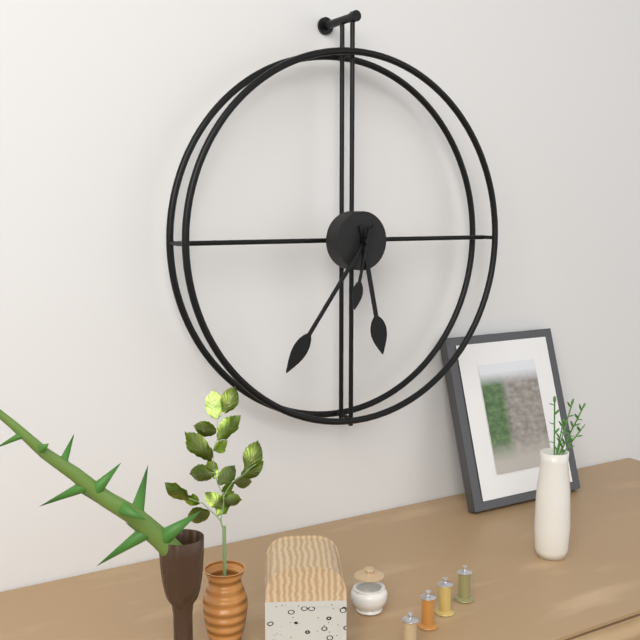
5 h 36 min 32 s
